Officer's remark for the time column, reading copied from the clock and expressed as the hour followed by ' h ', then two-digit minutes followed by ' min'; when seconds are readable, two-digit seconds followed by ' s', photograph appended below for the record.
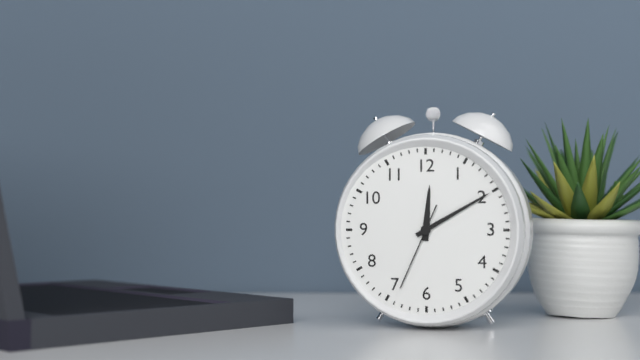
12 h 10 min 34 s
